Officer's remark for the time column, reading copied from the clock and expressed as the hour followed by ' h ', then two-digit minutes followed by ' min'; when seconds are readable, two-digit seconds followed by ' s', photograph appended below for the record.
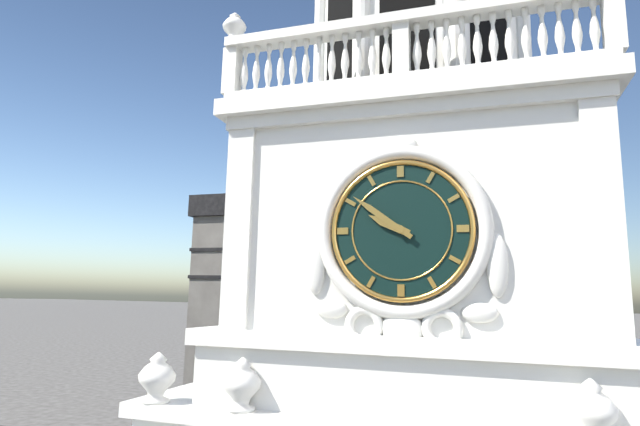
9 h 51 min
